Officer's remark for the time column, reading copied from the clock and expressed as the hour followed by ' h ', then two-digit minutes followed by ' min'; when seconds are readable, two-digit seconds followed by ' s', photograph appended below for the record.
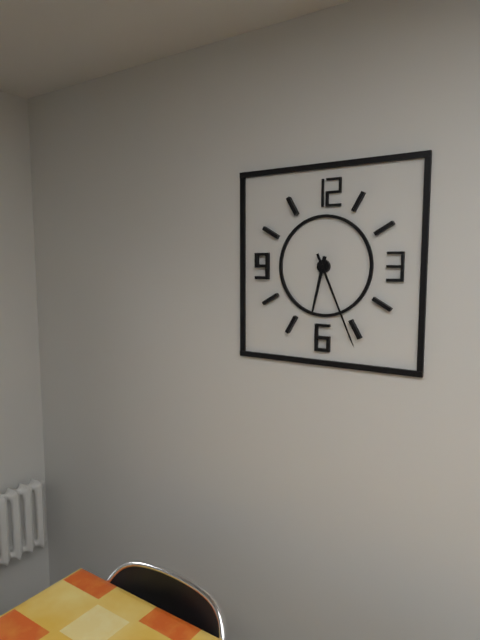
6 h 26 min
